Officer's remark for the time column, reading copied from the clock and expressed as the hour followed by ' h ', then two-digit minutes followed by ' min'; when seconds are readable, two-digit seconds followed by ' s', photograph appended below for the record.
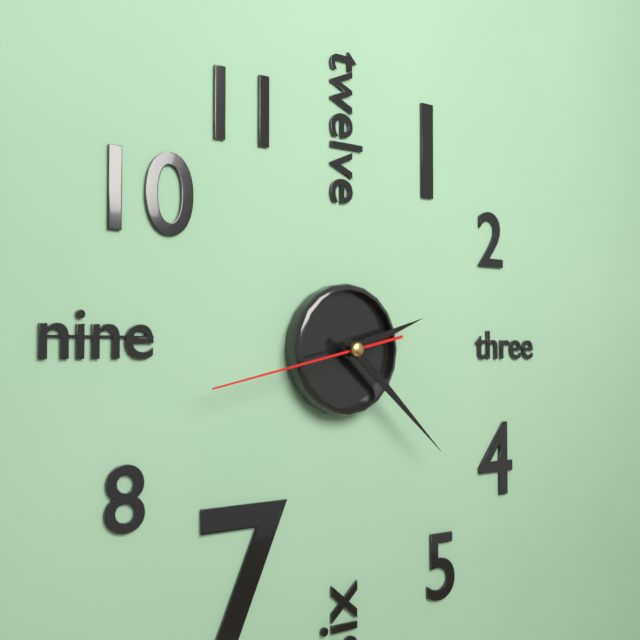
2 h 22 min 43 s
